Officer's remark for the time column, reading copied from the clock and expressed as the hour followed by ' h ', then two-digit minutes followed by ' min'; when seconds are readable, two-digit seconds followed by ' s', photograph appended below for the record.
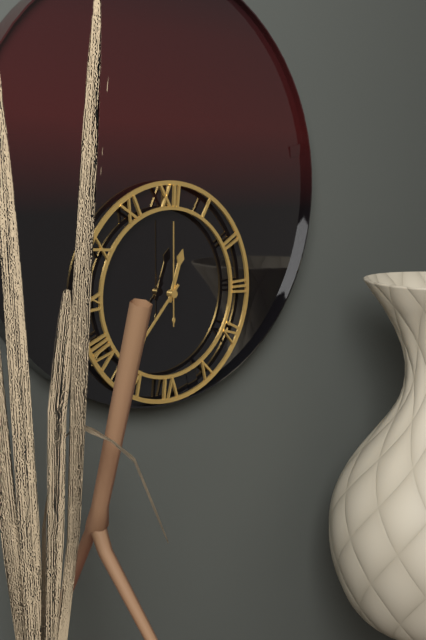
12 h 37 min 00 s
